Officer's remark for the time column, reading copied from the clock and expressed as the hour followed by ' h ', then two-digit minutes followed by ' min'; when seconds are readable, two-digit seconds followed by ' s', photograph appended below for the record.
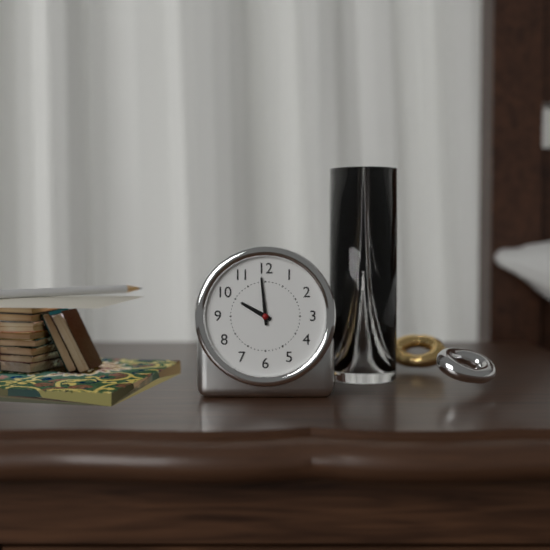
9 h 59 min
